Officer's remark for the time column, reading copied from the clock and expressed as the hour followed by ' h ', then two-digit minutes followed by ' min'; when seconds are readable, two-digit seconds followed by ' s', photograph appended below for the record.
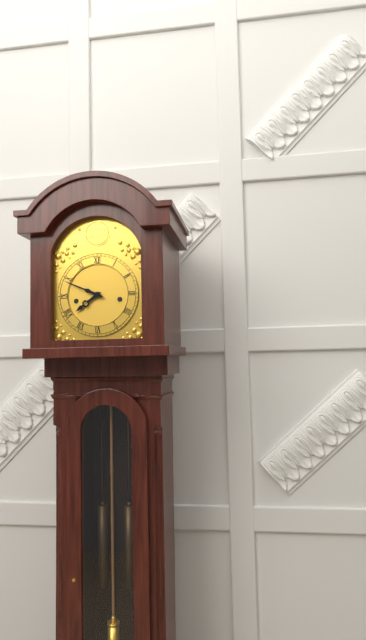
7 h 49 min
